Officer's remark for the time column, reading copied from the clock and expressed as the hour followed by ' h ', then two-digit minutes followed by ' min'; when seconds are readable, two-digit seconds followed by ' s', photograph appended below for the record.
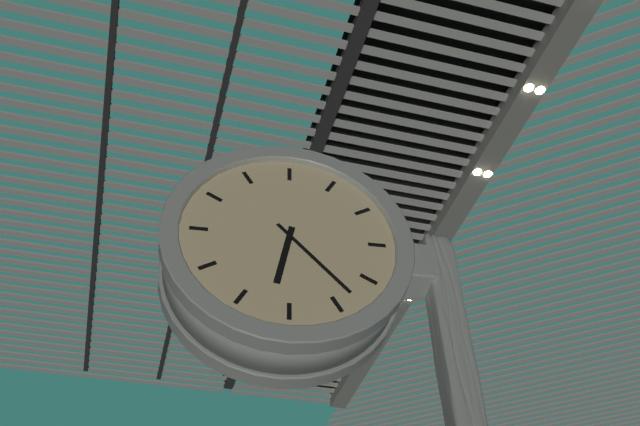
6 h 23 min
